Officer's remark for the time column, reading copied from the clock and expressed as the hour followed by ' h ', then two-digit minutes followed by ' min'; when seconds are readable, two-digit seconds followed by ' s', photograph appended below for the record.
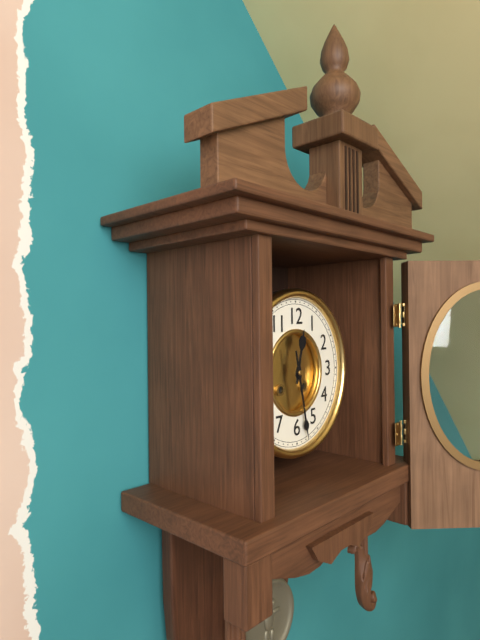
12 h 28 min
